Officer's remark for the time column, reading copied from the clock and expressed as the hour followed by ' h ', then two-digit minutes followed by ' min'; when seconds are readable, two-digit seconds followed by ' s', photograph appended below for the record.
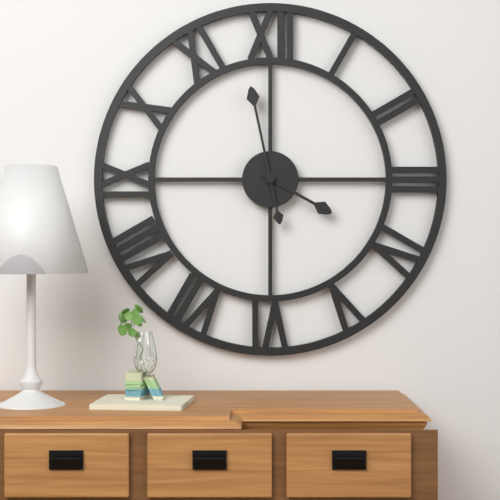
3 h 58 min
